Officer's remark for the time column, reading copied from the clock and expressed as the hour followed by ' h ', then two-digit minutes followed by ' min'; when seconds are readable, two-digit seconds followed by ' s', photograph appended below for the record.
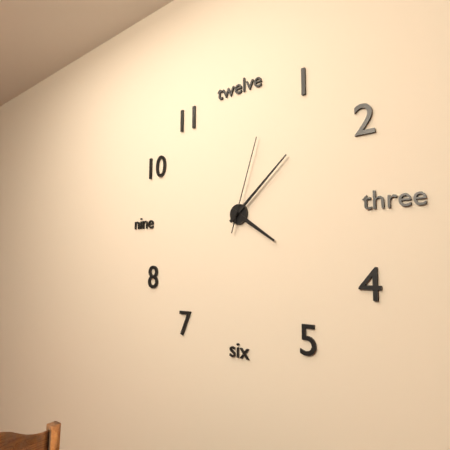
4 h 08 min 03 s
